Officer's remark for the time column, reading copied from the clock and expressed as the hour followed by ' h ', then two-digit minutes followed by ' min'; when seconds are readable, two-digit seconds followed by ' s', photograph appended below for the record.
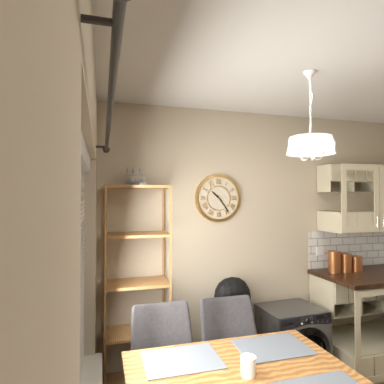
10 h 24 min
